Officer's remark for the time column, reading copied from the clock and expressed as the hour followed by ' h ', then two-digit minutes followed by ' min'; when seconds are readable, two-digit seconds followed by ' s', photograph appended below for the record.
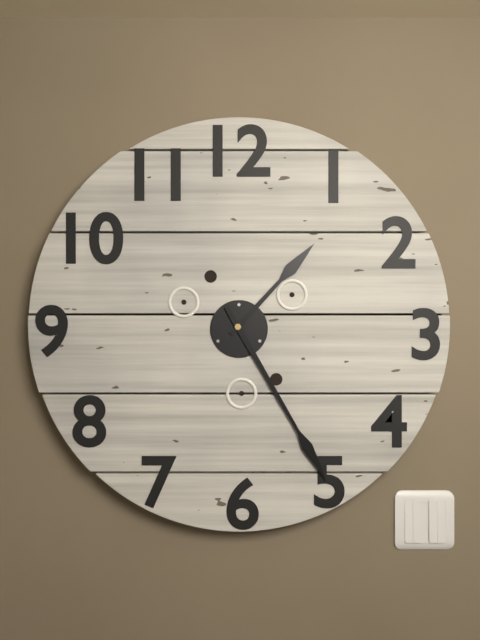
1 h 25 min
